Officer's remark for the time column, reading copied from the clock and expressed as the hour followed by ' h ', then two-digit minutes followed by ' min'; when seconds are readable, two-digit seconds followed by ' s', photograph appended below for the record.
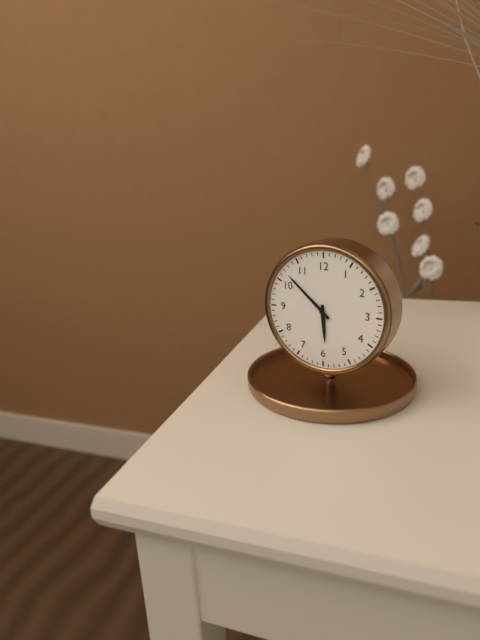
5 h 52 min
